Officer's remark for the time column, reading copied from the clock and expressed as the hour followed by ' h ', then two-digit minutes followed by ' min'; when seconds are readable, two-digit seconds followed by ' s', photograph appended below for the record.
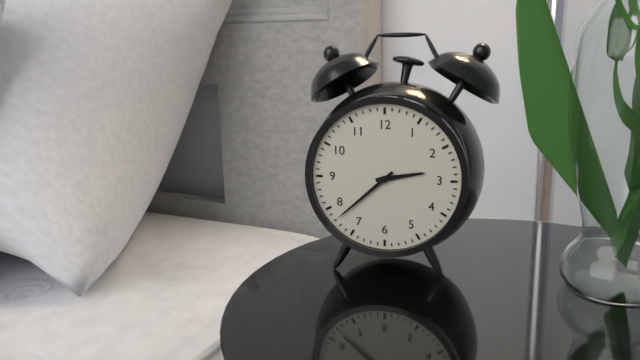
2 h 38 min
